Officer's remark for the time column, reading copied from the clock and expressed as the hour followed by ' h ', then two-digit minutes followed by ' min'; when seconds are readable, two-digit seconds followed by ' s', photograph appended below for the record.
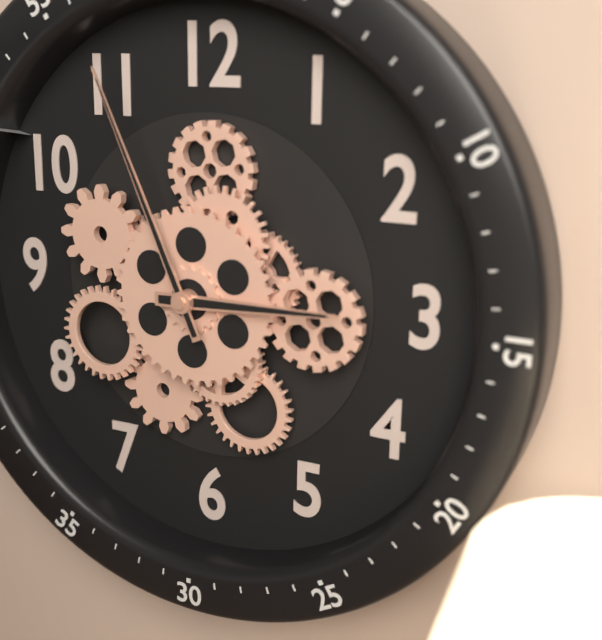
2 h 56 min
